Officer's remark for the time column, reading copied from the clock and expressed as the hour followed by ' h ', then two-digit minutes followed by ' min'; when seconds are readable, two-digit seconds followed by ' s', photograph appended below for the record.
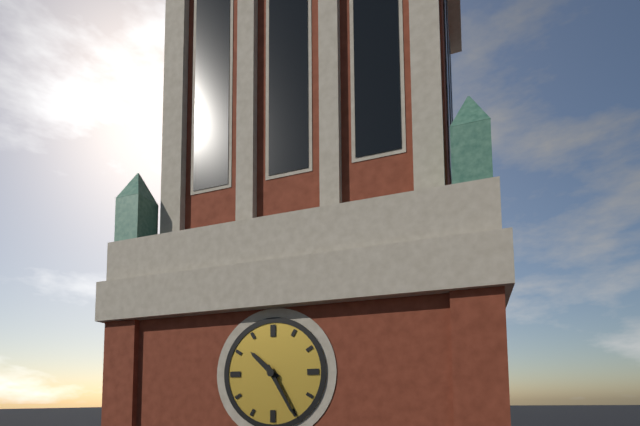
10 h 25 min
